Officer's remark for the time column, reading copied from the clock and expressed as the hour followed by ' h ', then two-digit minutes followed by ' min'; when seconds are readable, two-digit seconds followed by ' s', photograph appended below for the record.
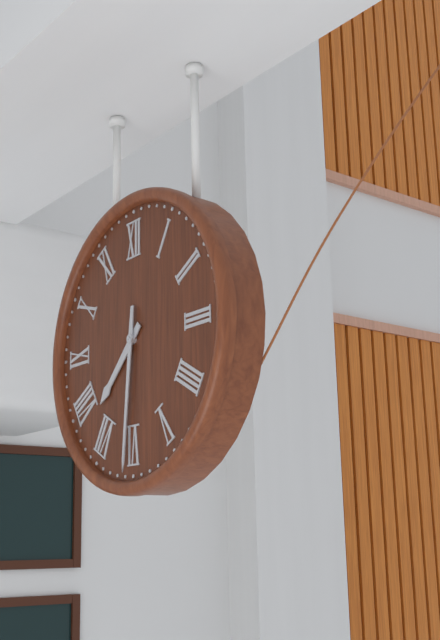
7 h 31 min
